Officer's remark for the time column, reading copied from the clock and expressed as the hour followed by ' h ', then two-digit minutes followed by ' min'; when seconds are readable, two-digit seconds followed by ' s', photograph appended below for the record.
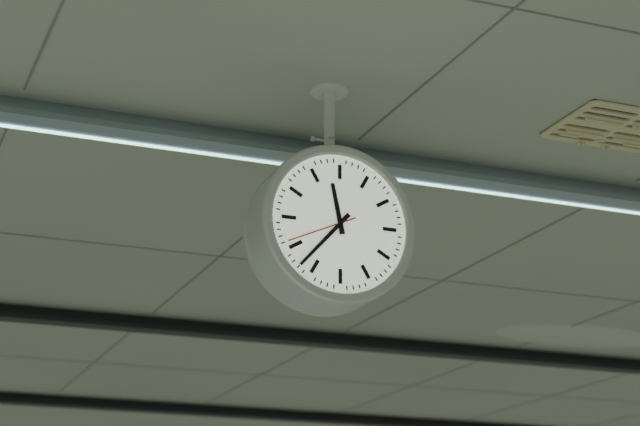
11 h 37 min 41 s
